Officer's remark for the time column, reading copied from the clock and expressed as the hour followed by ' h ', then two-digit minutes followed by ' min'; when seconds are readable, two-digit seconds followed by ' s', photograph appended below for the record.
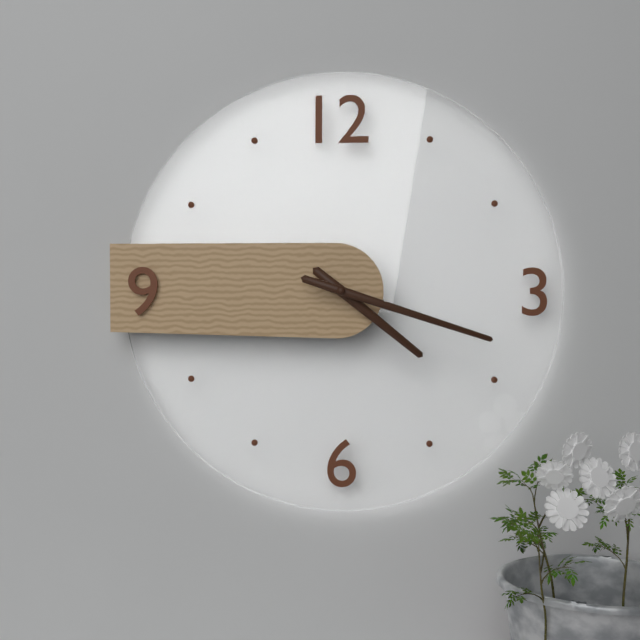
4 h 18 min
